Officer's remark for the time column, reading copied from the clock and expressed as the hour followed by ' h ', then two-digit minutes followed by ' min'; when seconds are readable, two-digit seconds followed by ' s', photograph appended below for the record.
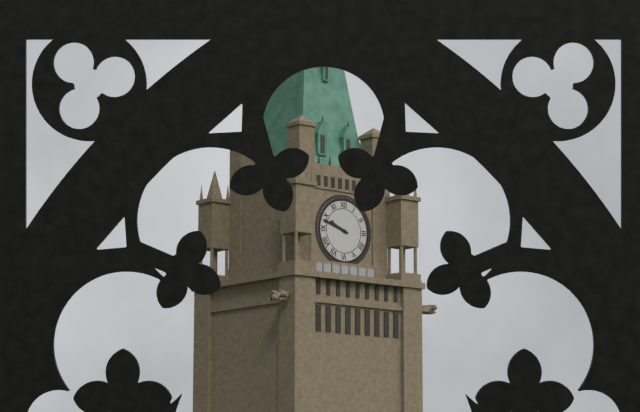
9 h 48 min
